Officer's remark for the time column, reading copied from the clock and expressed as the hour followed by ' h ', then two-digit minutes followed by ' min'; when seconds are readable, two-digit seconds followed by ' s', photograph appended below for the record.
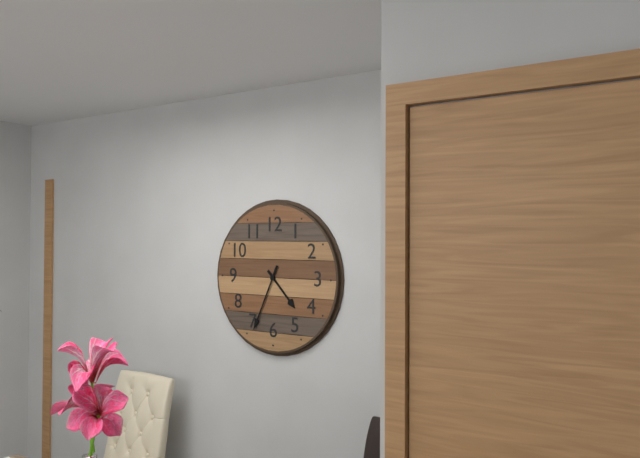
4 h 34 min
